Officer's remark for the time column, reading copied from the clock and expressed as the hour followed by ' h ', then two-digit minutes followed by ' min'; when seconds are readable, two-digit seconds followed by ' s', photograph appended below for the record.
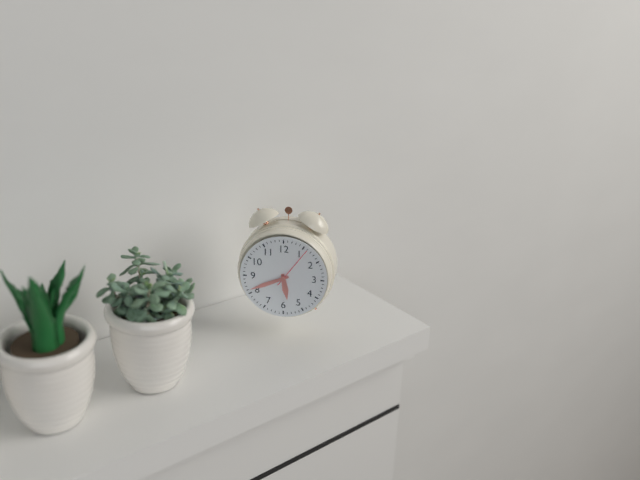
5 h 41 min
